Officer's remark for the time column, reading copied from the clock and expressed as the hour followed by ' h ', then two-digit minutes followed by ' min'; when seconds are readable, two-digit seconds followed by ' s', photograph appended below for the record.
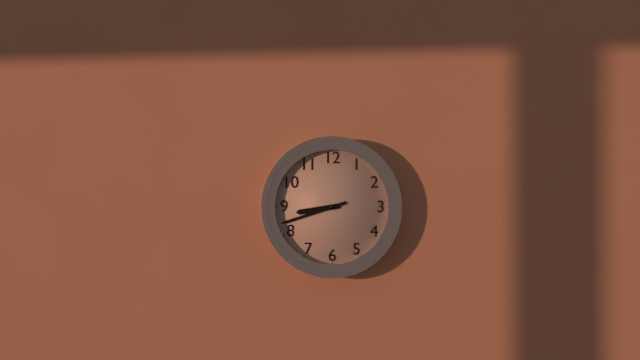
8 h 42 min
